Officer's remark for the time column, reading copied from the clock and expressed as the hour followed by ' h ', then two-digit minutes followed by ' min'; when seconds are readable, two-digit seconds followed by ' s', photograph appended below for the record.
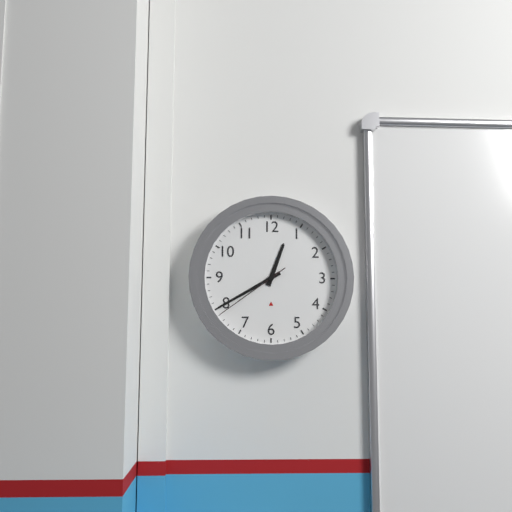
12 h 40 min 39 s
